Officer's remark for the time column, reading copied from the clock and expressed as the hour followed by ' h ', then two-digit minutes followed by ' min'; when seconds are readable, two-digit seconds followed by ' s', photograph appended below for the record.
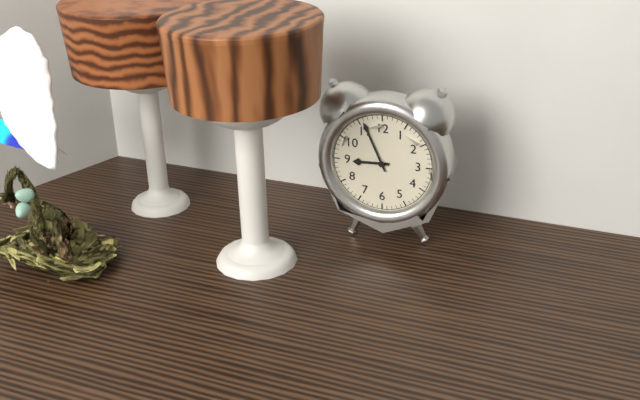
8 h 56 min
